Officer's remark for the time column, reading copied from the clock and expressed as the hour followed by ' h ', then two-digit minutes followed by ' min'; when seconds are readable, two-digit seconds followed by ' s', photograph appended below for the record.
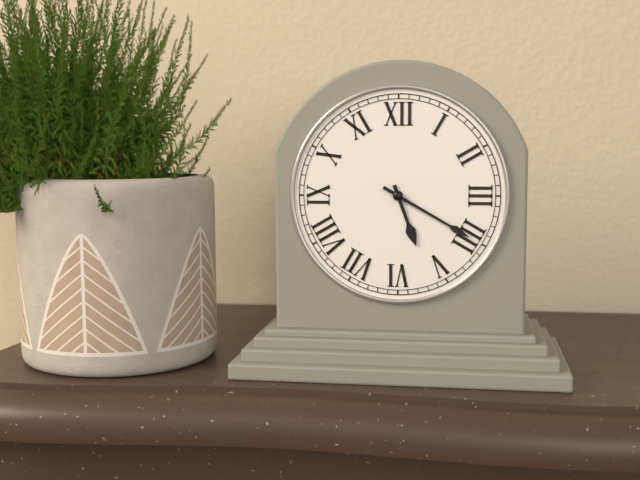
5 h 20 min
